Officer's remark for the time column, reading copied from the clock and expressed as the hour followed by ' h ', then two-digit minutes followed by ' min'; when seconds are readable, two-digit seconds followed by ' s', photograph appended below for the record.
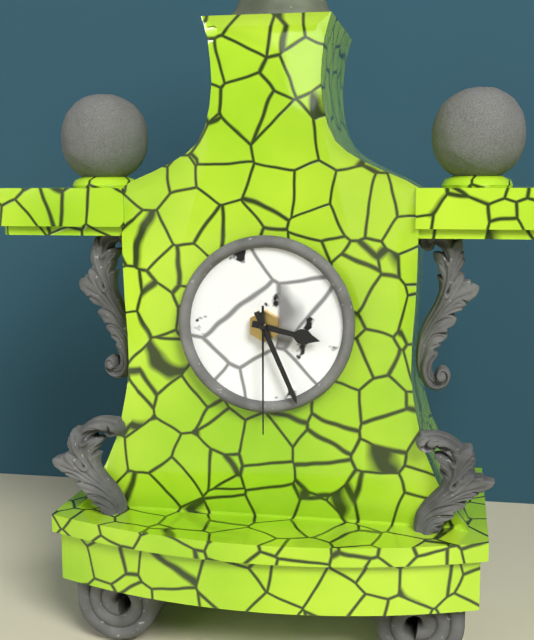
3 h 26 min 30 s
